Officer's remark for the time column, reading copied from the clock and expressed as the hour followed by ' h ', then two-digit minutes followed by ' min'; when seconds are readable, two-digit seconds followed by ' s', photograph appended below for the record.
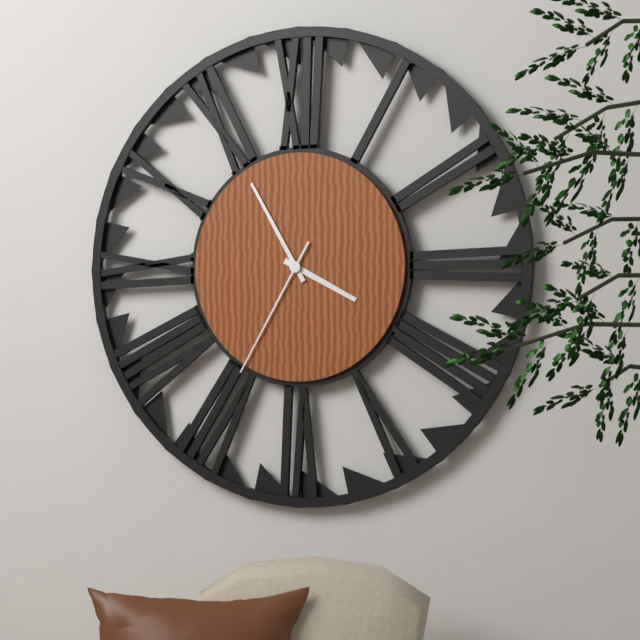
3 h 55 min 35 s
